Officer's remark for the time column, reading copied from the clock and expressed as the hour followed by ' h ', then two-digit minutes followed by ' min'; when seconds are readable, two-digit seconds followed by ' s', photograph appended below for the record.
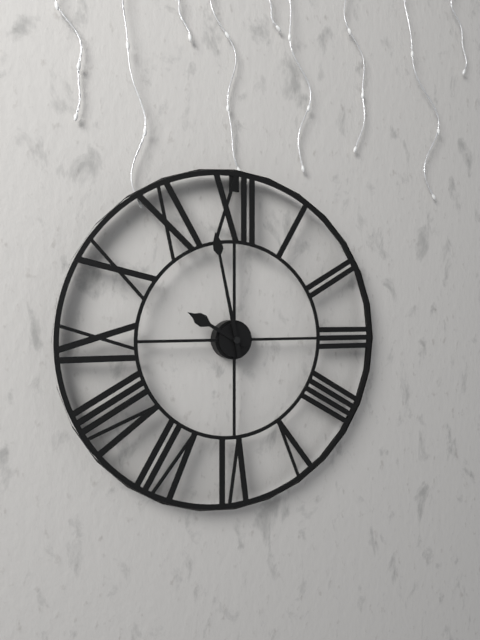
9 h 58 min
